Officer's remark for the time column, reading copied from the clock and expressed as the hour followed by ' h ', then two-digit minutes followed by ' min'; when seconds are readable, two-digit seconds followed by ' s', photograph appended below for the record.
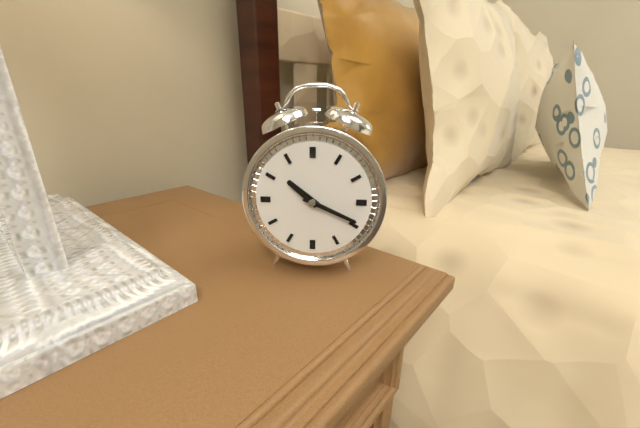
10 h 19 min
